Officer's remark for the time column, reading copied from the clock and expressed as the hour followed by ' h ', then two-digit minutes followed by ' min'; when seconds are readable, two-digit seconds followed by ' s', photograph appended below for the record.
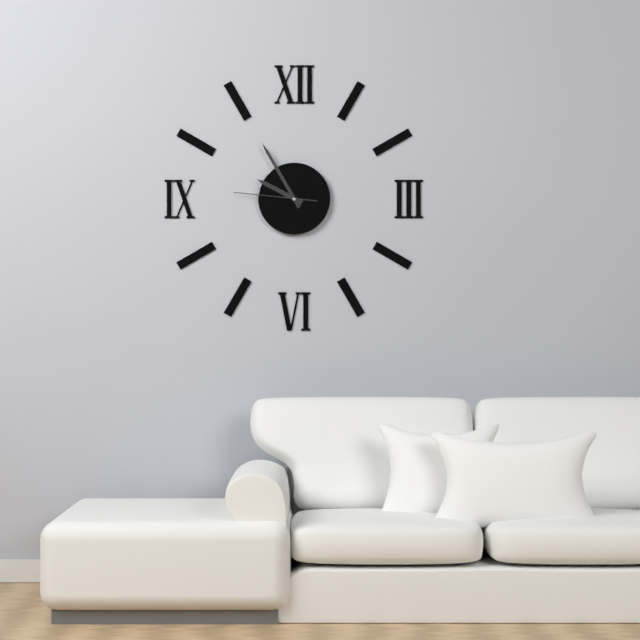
9 h 55 min 46 s
